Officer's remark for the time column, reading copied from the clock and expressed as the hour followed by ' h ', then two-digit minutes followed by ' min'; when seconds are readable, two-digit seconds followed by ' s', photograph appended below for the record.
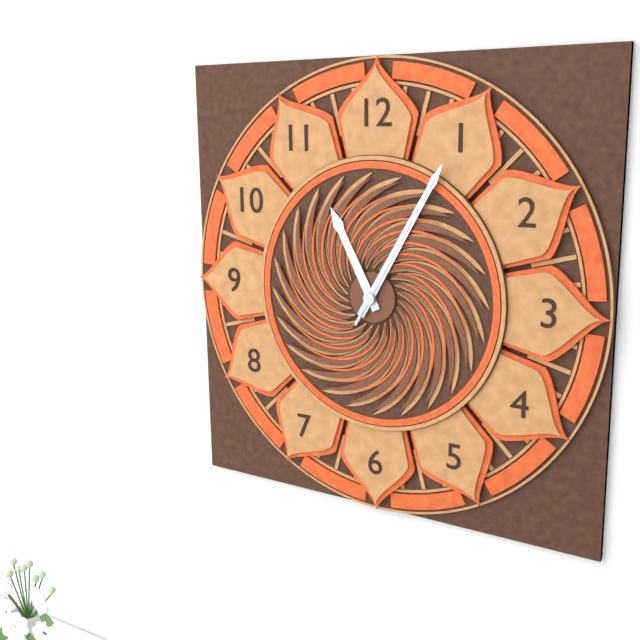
11 h 05 min 05 s
